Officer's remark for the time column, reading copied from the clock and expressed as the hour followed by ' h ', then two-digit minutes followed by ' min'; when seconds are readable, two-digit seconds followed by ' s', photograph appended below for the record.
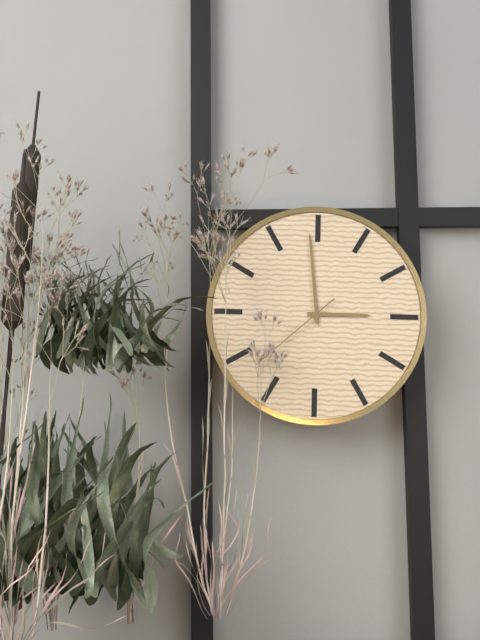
2 h 59 min 38 s
